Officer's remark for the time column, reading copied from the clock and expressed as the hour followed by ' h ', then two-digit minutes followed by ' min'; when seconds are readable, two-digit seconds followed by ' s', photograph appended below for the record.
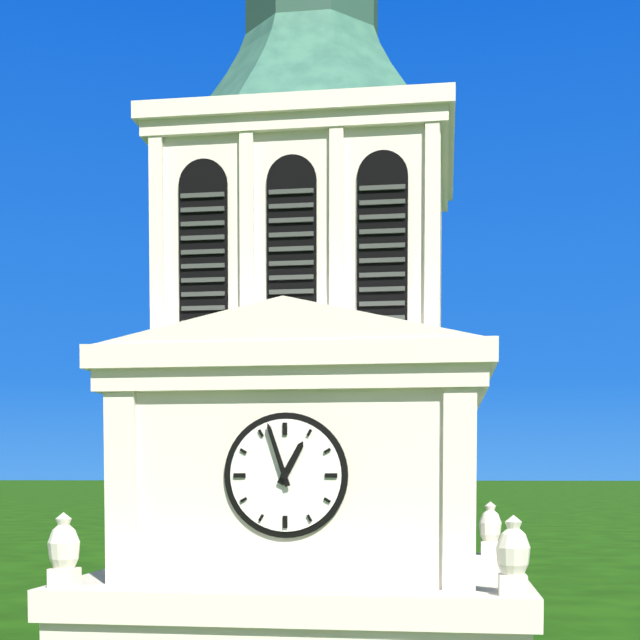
12 h 57 min
